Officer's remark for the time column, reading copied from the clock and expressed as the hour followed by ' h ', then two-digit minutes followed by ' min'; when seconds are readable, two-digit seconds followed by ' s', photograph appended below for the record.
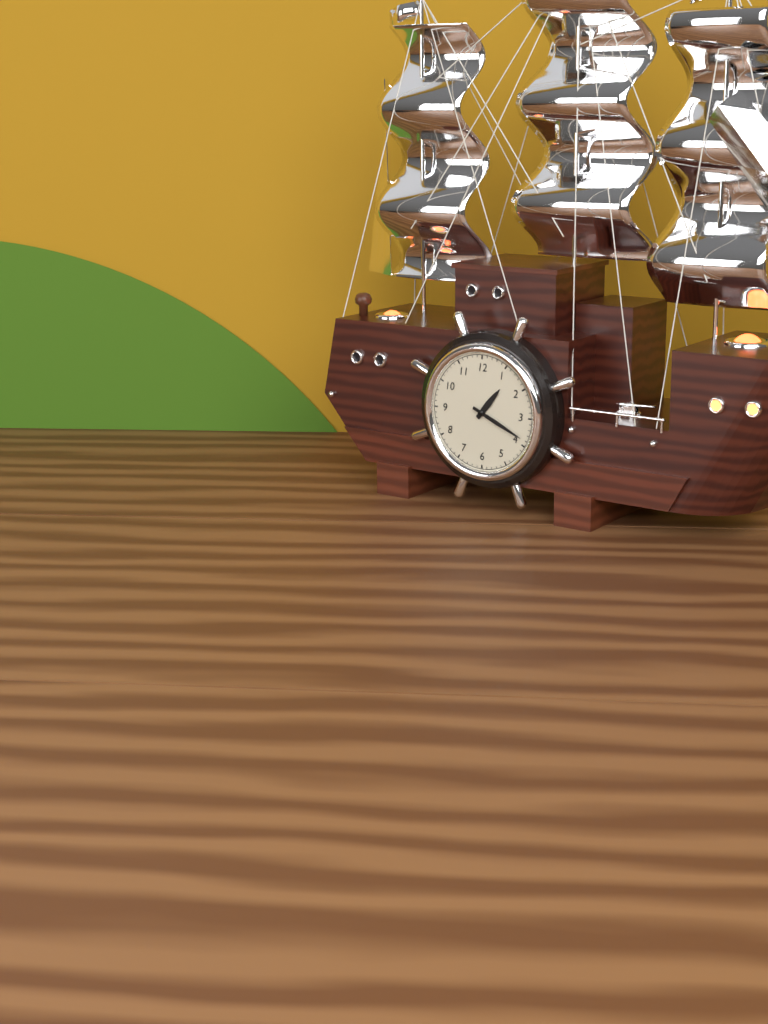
1 h 19 min
